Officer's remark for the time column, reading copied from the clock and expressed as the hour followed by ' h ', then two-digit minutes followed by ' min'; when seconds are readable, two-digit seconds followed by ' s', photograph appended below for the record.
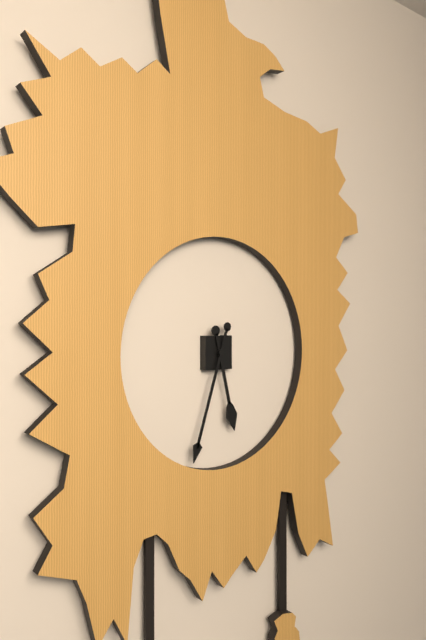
5 h 33 min
